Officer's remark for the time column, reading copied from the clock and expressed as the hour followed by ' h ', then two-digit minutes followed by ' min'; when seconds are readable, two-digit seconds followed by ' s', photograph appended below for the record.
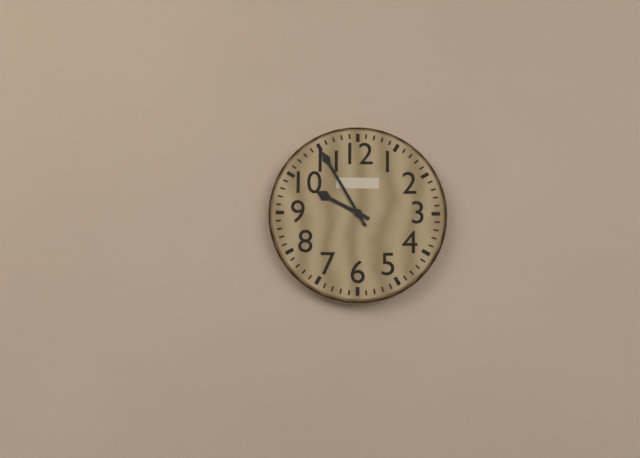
9 h 55 min
